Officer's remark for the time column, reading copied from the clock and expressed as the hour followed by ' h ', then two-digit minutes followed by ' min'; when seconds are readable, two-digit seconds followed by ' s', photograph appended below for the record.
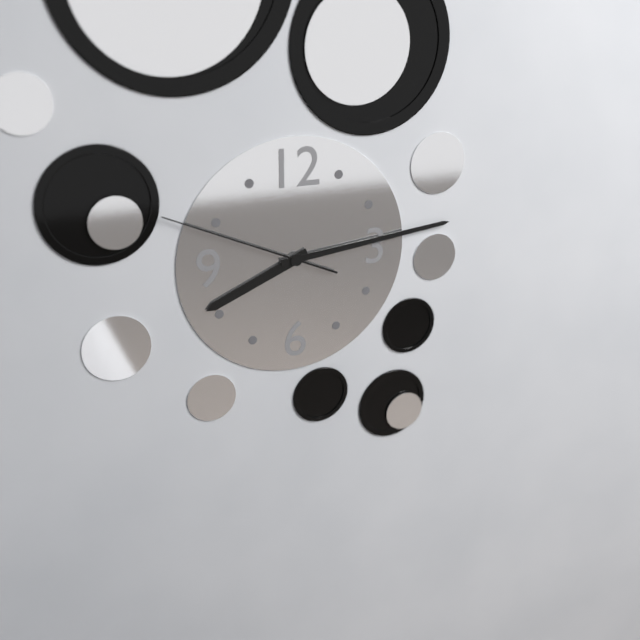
8 h 14 min 49 s
